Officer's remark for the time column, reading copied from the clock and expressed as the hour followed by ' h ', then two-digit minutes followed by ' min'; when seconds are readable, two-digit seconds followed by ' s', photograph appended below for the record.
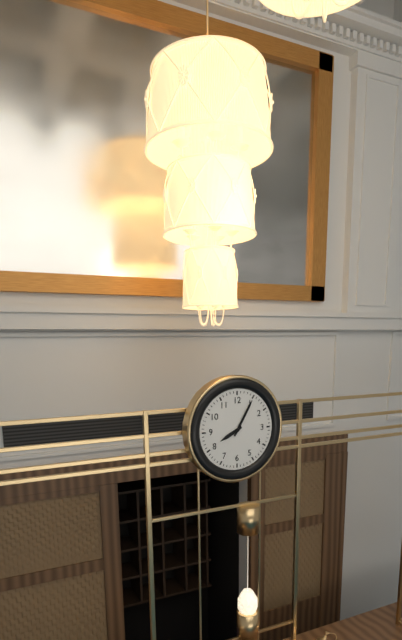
8 h 05 min
